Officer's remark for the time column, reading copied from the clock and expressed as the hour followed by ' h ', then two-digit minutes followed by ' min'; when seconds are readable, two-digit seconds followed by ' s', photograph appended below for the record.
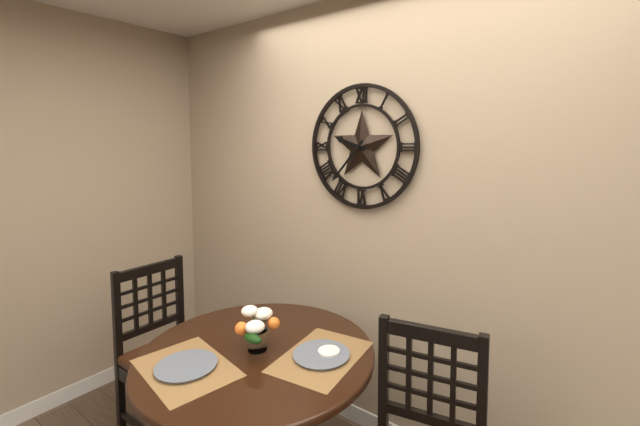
9 h 37 min
